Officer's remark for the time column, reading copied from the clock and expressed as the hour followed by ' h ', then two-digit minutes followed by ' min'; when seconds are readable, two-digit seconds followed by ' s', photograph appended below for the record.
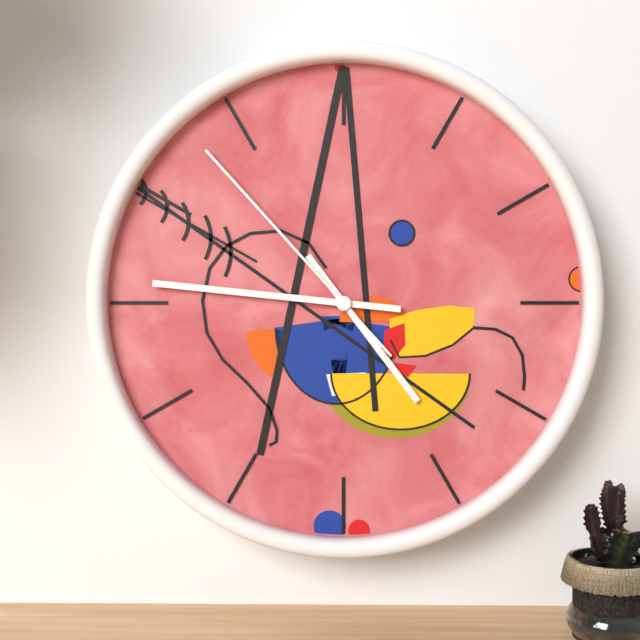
4 h 46 min 53 s
